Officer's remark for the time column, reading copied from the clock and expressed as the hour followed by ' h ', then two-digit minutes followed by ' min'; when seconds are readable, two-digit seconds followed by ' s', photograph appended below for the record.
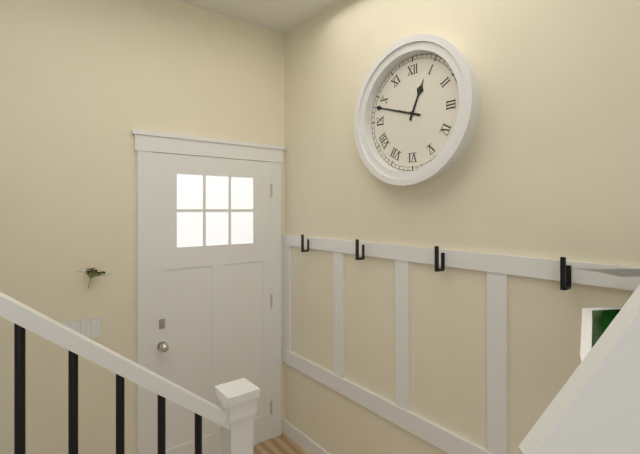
12 h 48 min
